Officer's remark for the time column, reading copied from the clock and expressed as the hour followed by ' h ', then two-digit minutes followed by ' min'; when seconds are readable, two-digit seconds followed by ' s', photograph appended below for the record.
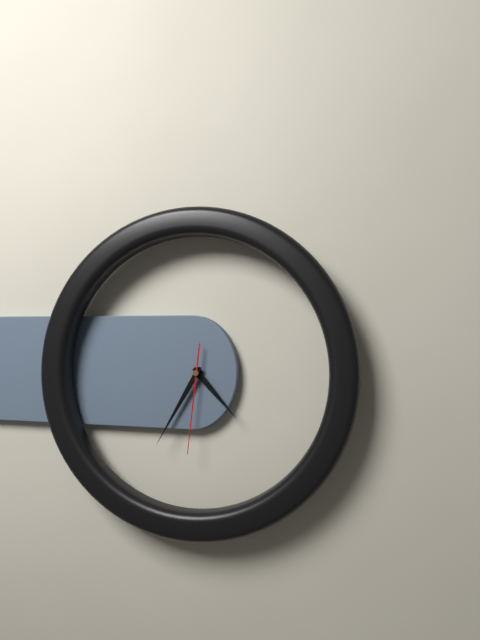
4 h 35 min 31 s
